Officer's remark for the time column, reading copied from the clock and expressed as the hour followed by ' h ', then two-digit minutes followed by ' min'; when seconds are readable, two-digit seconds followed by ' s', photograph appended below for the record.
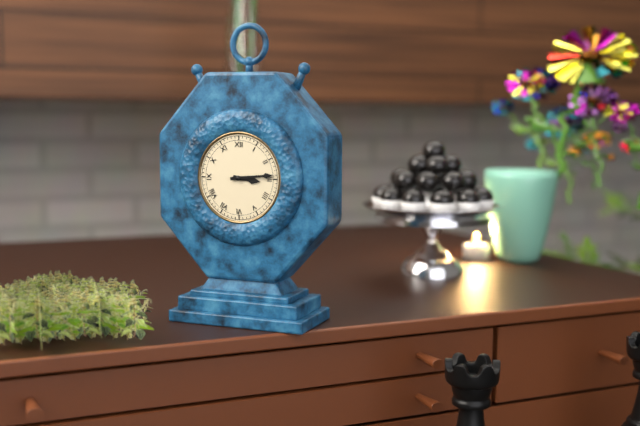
3 h 14 min
